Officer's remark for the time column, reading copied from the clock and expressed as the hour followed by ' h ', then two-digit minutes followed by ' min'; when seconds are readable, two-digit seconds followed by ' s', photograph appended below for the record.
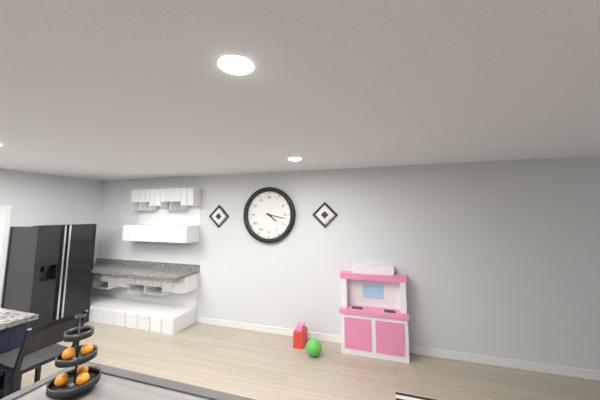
4 h 17 min
